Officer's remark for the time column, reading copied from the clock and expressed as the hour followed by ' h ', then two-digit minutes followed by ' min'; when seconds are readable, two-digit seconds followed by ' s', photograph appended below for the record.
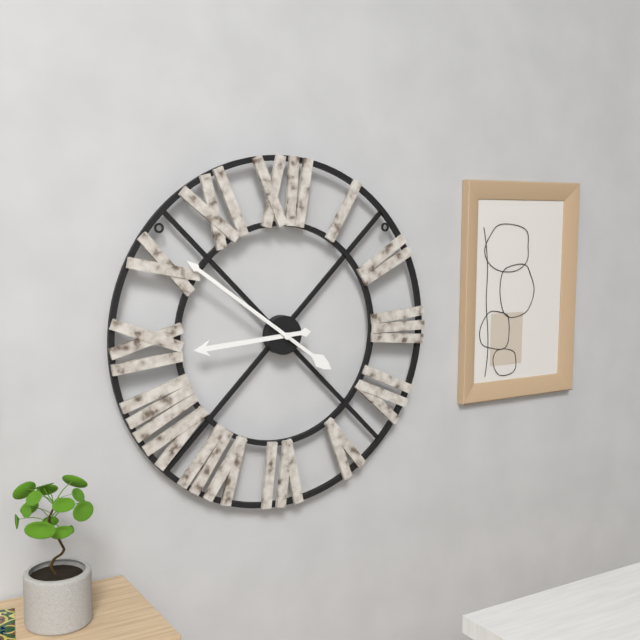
8 h 51 min
